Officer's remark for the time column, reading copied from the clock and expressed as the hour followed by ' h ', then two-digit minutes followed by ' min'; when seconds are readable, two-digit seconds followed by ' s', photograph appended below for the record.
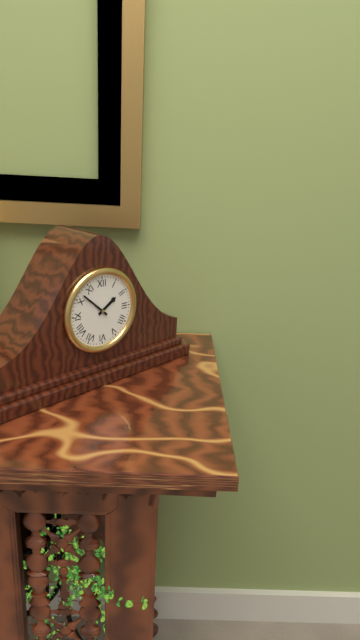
1 h 52 min
